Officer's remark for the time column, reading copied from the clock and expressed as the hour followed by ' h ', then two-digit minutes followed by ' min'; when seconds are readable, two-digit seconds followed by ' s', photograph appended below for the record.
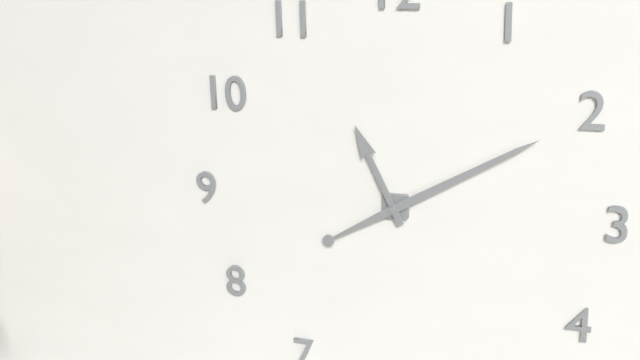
11 h 10 min
